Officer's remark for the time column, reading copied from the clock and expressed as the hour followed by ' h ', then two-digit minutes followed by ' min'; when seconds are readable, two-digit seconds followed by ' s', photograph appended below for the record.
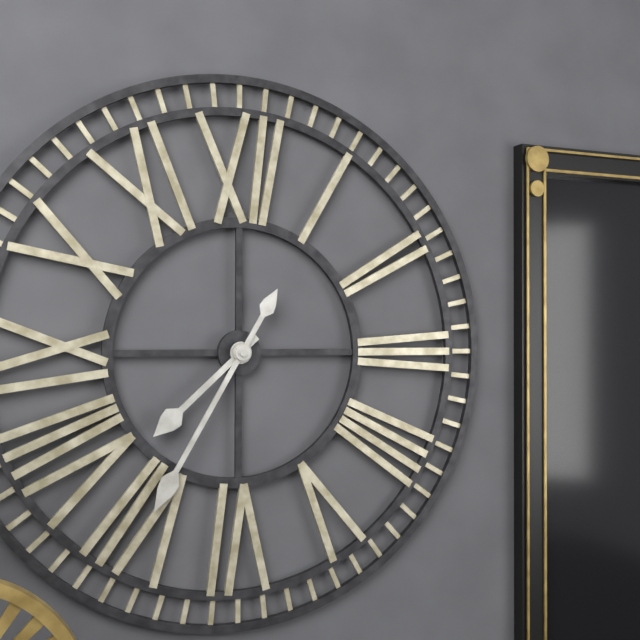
7 h 35 min
